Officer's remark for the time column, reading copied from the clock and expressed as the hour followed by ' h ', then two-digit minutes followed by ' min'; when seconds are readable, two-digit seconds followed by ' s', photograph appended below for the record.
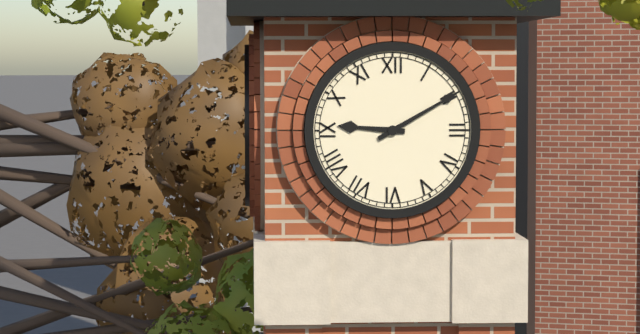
9 h 10 min
